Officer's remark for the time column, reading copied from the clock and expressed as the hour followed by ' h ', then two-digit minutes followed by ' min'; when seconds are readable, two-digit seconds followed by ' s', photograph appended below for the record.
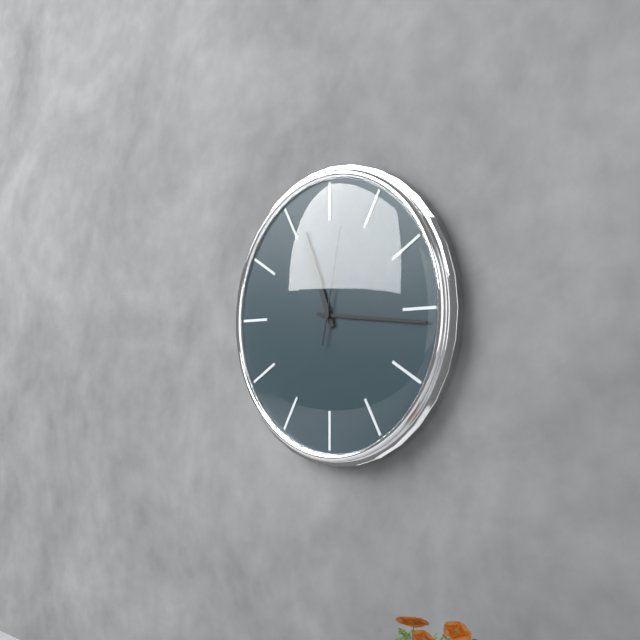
11 h 16 min 02 s
